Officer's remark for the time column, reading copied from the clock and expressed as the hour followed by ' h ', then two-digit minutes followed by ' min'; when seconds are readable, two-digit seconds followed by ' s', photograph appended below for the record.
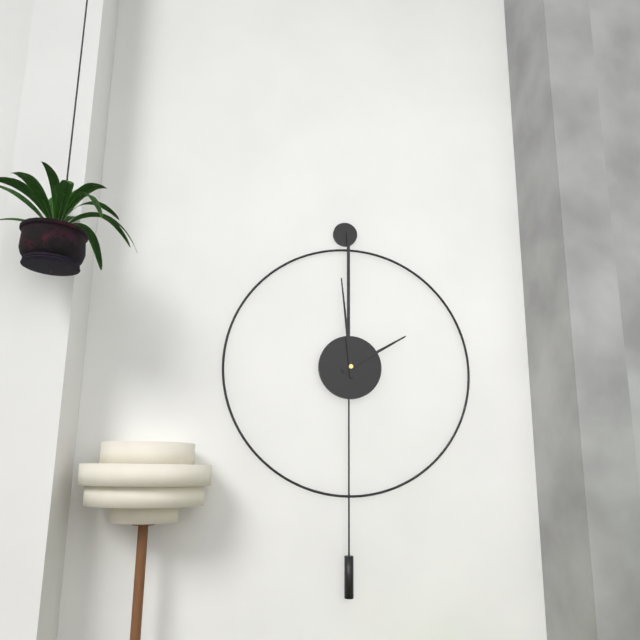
1 h 59 min
